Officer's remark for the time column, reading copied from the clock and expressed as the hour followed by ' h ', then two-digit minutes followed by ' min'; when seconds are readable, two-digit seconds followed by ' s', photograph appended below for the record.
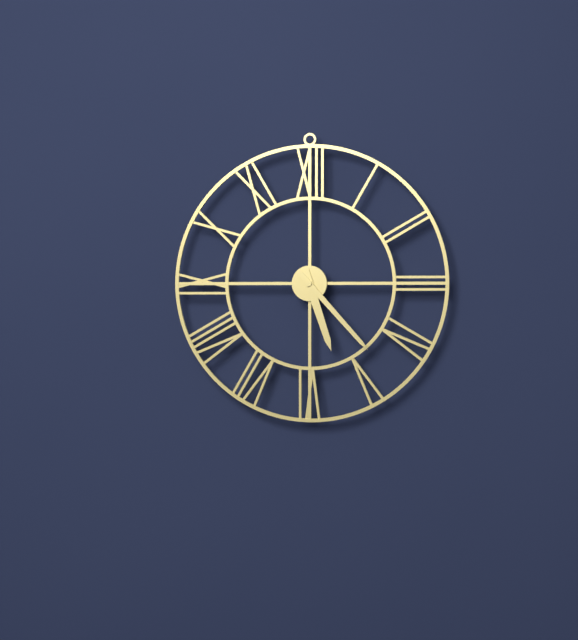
5 h 23 min
